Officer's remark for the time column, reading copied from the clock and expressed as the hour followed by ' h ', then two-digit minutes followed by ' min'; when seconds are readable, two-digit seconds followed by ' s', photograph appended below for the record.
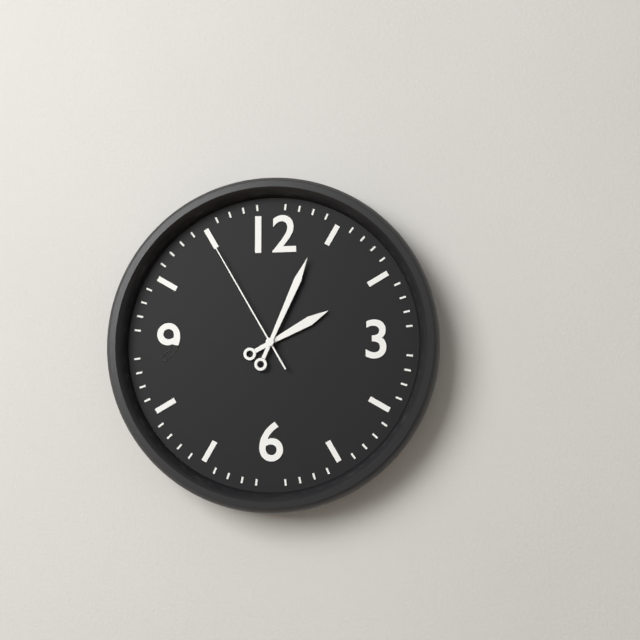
2 h 04 min 55 s
